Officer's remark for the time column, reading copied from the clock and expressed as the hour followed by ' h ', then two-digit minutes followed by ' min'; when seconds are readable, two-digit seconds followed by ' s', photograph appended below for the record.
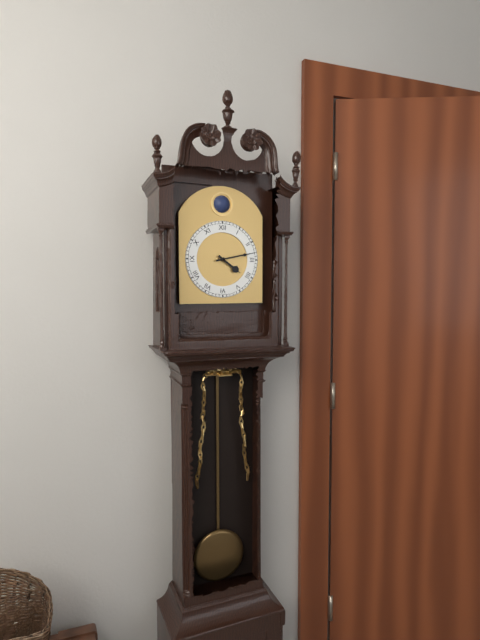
4 h 13 min
